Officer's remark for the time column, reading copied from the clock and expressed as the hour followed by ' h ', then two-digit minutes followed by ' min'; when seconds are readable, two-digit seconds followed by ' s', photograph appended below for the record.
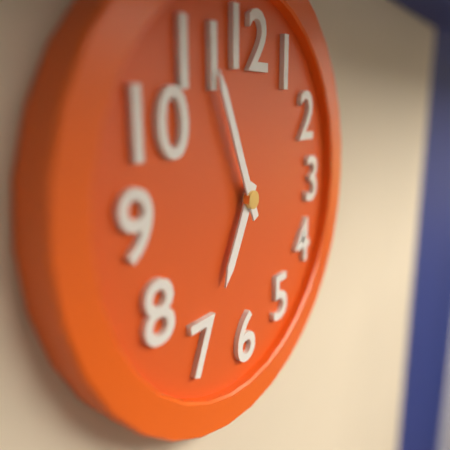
6 h 56 min
